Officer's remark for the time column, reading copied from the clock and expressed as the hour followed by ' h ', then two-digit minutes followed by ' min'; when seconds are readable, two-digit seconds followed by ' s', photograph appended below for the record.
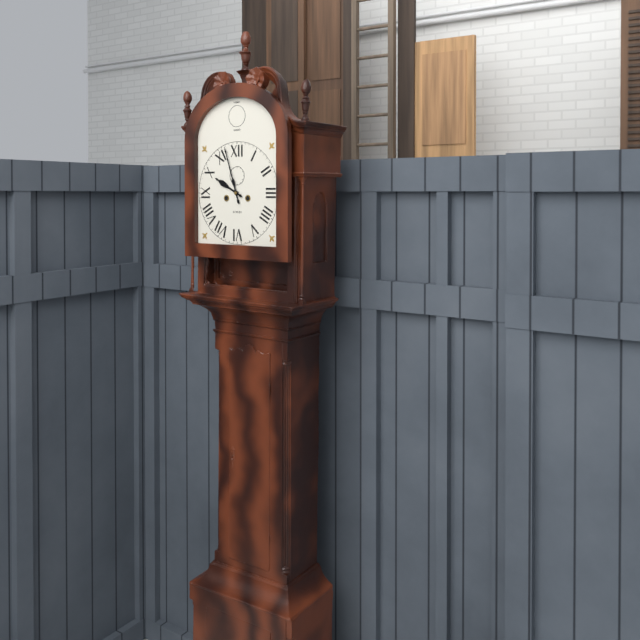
9 h 57 min
